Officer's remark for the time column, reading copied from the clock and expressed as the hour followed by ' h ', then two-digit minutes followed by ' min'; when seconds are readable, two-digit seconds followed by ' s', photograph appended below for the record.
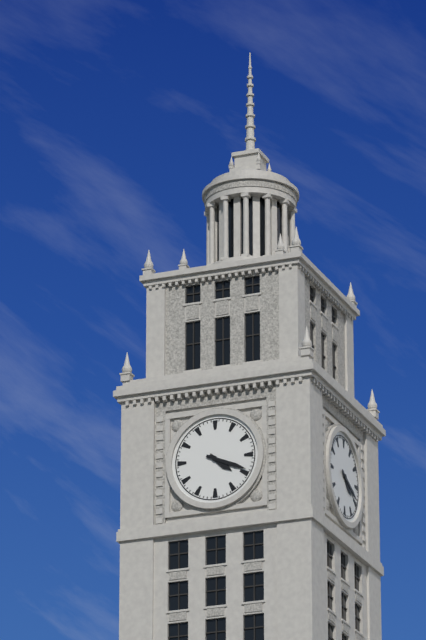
4 h 19 min
